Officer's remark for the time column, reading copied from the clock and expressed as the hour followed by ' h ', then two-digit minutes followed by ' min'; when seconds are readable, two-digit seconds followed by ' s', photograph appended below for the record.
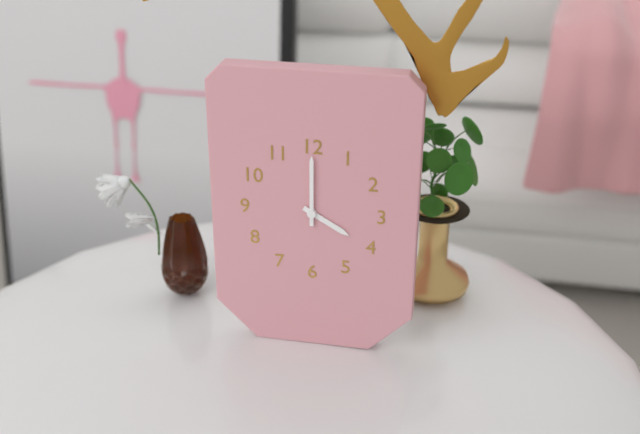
4 h 00 min
